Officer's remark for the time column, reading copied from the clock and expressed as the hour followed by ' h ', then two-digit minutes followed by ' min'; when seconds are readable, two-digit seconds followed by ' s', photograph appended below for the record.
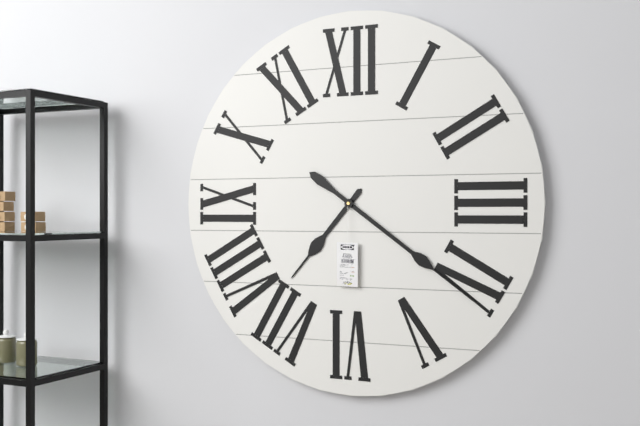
7 h 21 min
